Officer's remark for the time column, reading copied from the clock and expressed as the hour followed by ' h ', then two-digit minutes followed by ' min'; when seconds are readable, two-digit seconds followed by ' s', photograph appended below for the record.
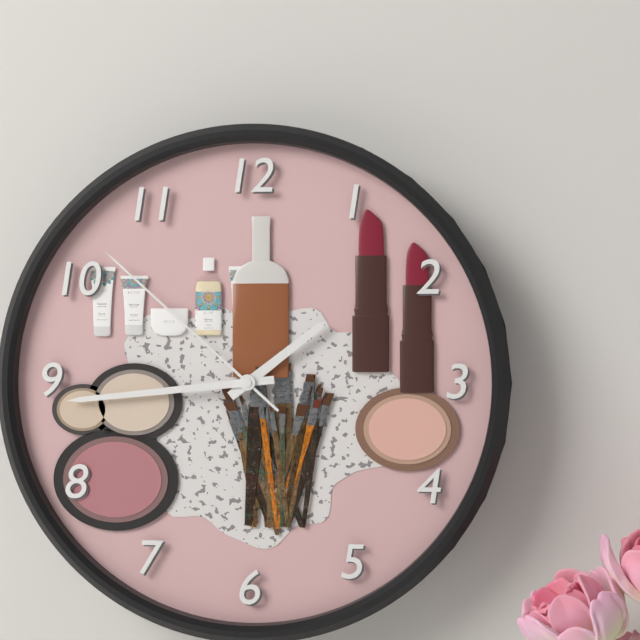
1 h 44 min 52 s
